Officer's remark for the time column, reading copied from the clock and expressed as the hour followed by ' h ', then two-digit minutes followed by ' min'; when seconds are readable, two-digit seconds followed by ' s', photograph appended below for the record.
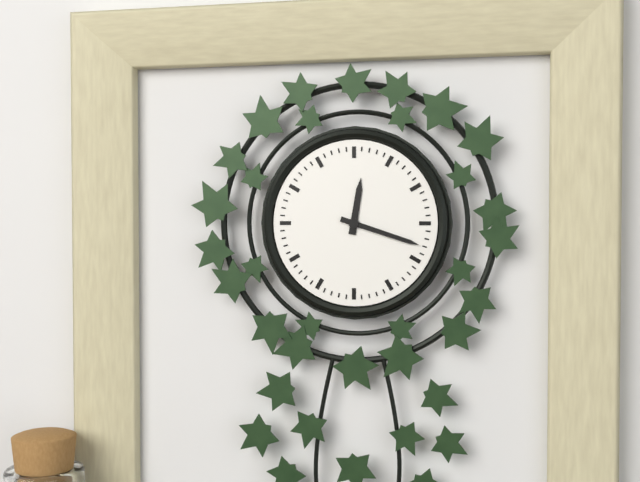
12 h 18 min
